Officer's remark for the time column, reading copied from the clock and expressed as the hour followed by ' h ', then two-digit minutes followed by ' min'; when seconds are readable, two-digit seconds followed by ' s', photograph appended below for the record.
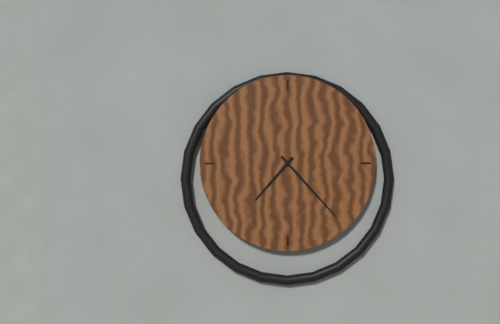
7 h 23 min
